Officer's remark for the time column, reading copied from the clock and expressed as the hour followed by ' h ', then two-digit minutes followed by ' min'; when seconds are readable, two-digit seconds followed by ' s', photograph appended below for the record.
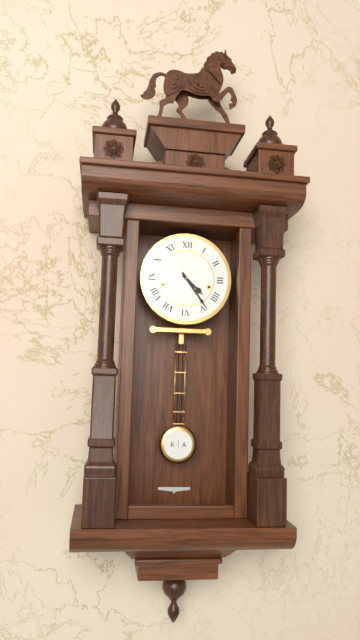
4 h 24 min
